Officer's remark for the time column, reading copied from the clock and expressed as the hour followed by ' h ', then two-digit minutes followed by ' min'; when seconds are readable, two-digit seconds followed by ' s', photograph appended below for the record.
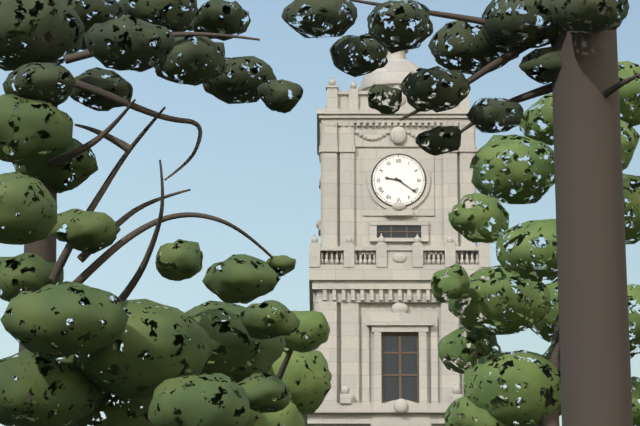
9 h 21 min
